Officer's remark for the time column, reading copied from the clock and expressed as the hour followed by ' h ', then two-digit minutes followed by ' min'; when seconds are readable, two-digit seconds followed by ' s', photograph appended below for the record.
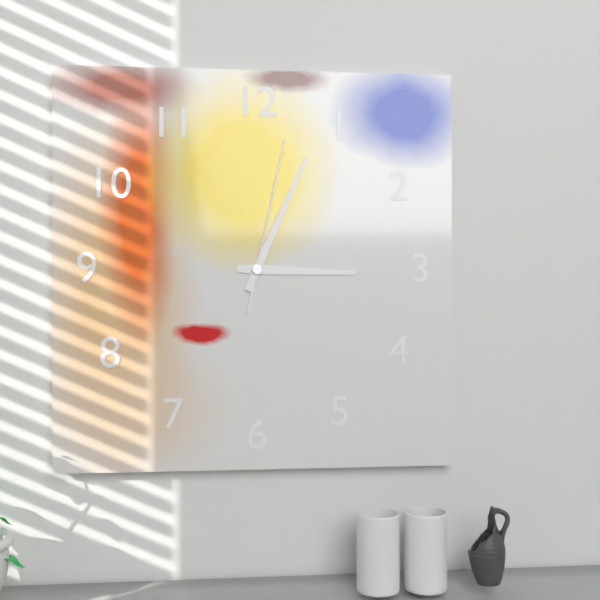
3 h 04 min 02 s
